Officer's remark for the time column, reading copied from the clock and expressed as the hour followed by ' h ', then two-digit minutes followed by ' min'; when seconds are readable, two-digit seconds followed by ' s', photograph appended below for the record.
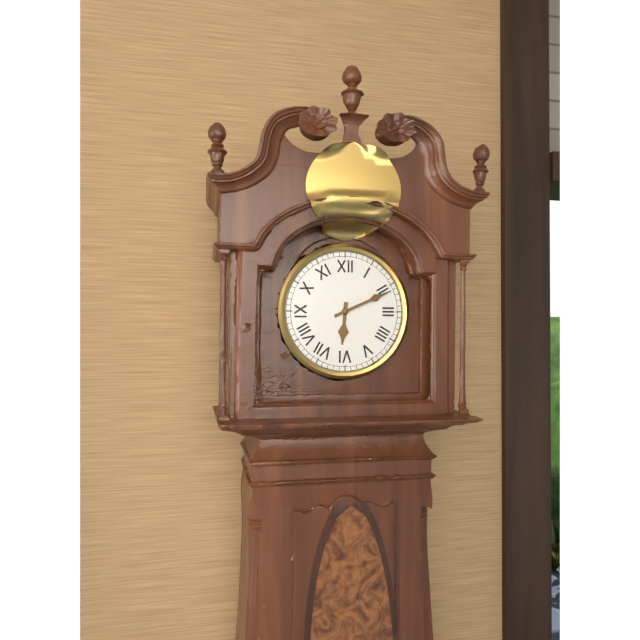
6 h 11 min
